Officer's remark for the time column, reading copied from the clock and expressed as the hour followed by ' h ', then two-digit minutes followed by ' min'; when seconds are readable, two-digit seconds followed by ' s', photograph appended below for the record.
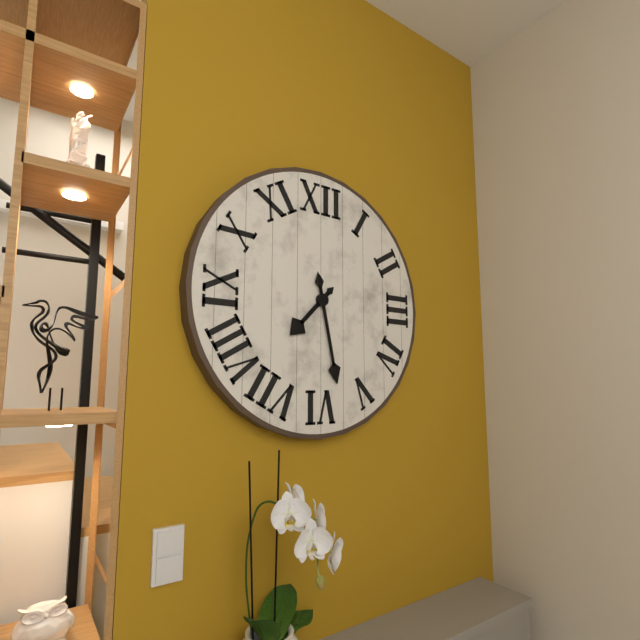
7 h 28 min
